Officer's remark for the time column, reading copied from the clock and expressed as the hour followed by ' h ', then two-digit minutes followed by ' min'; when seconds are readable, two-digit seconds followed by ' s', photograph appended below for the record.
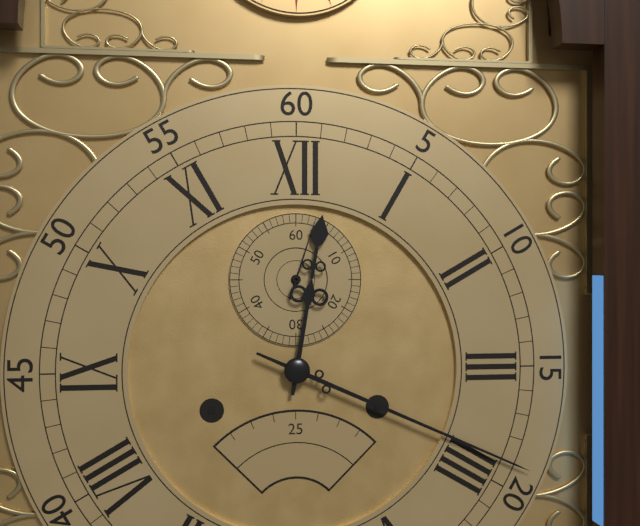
12 h 19 min 03 s
